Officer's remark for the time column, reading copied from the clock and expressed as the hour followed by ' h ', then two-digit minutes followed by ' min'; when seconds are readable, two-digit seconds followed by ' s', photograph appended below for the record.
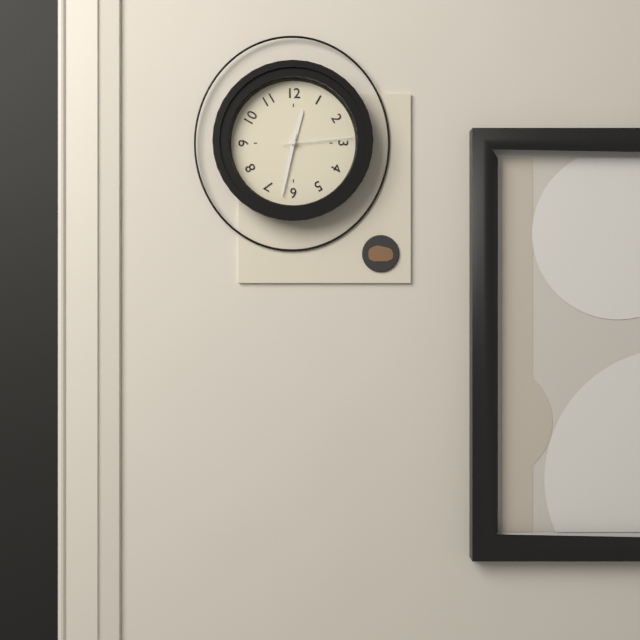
12 h 32 min 14 s
